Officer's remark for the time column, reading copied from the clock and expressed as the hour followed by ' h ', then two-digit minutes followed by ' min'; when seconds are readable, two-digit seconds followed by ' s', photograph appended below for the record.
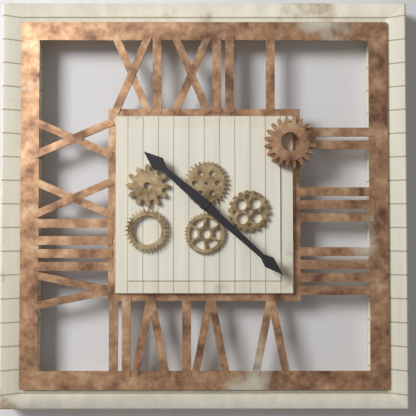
10 h 22 min
